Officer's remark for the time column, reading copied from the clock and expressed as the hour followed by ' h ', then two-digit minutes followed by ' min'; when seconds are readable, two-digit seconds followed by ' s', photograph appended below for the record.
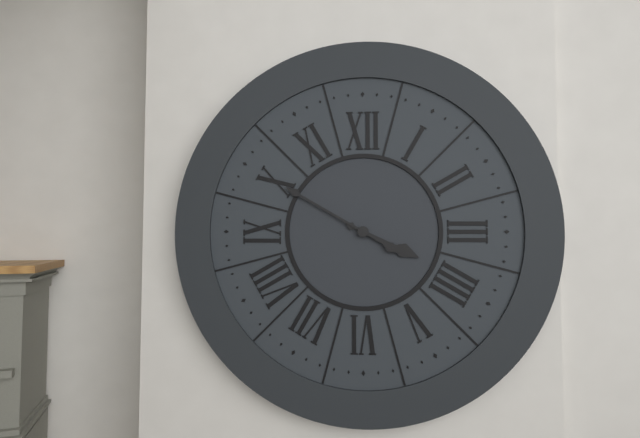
3 h 50 min
